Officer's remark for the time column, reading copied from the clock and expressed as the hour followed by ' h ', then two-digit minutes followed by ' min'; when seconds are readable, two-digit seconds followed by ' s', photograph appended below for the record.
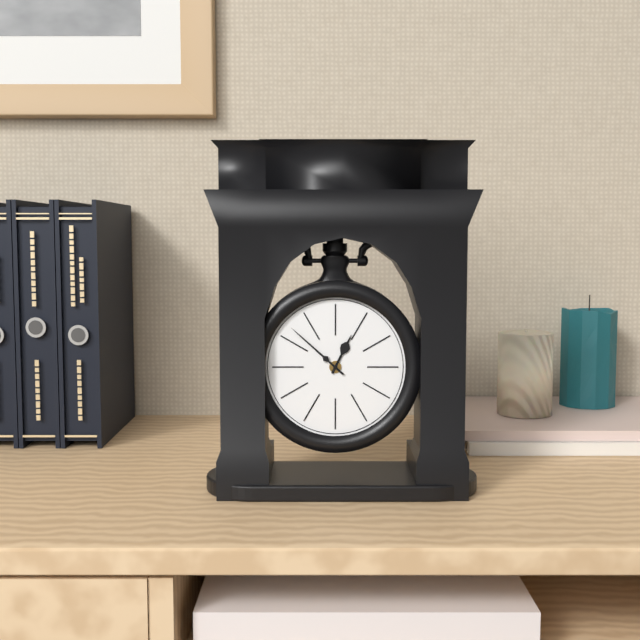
12 h 52 min
